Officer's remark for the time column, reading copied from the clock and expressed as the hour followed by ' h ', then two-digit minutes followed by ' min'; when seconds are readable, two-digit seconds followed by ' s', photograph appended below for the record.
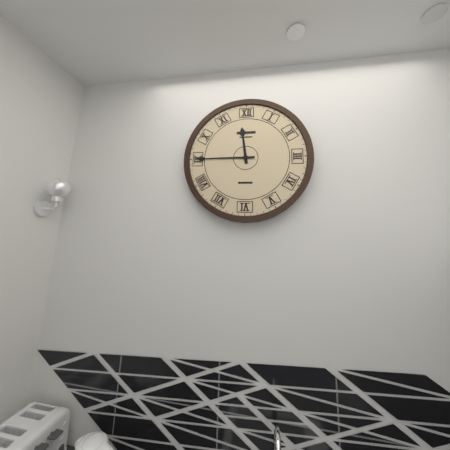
11 h 45 min
